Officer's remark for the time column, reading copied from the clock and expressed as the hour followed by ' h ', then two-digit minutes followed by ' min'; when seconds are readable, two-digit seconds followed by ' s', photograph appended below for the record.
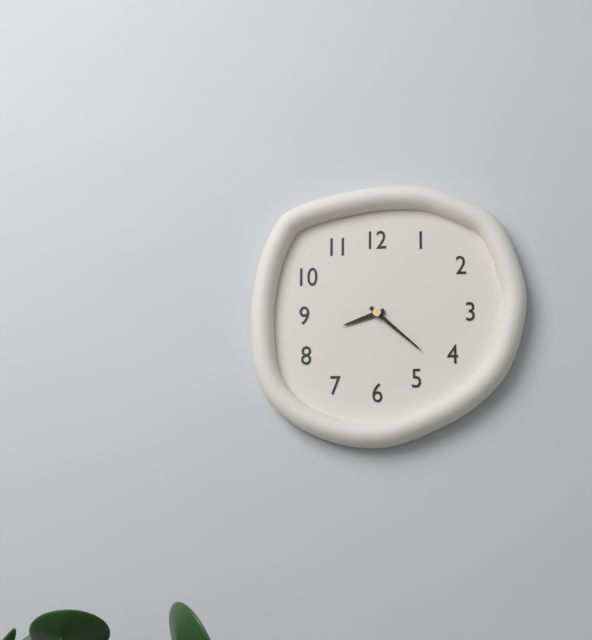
8 h 22 min
